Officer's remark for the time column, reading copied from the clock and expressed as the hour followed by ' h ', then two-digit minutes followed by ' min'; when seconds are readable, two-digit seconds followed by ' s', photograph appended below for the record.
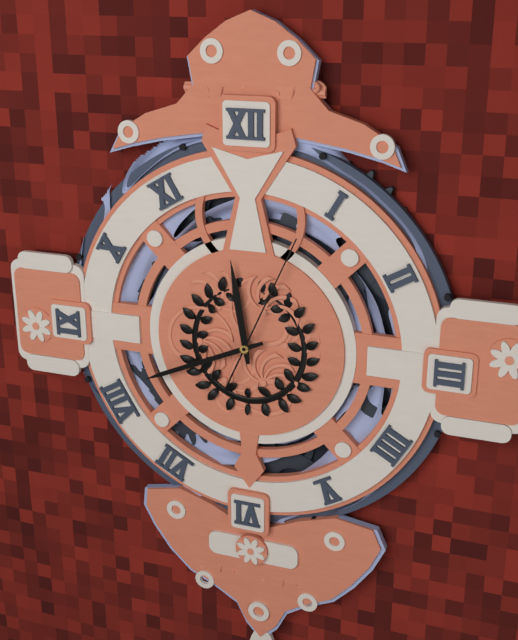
11 h 41 min 04 s
